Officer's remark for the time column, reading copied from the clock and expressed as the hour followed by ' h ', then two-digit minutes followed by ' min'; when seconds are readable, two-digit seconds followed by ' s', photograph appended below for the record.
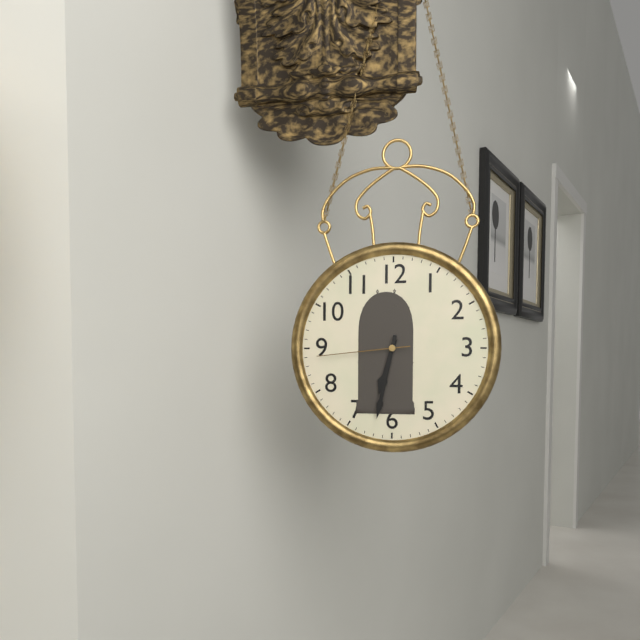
6 h 32 min 44 s
